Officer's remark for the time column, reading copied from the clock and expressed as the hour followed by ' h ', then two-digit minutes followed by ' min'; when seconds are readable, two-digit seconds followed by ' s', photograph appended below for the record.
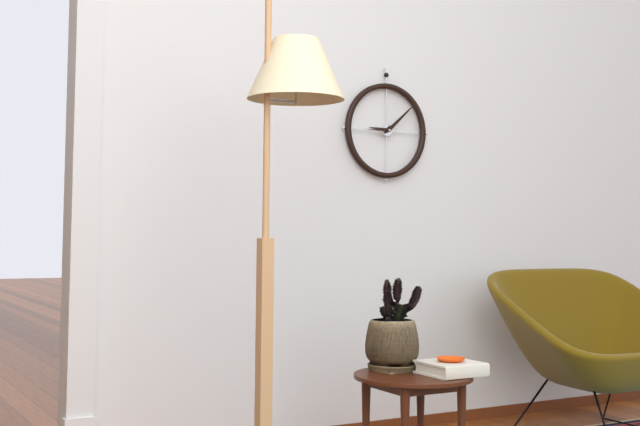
9 h 08 min
